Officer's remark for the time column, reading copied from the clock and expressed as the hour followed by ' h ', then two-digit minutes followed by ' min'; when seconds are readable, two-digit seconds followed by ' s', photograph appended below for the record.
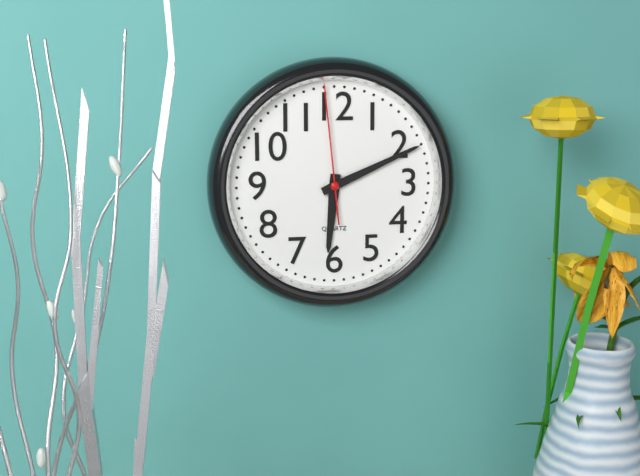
6 h 11 min 59 s
